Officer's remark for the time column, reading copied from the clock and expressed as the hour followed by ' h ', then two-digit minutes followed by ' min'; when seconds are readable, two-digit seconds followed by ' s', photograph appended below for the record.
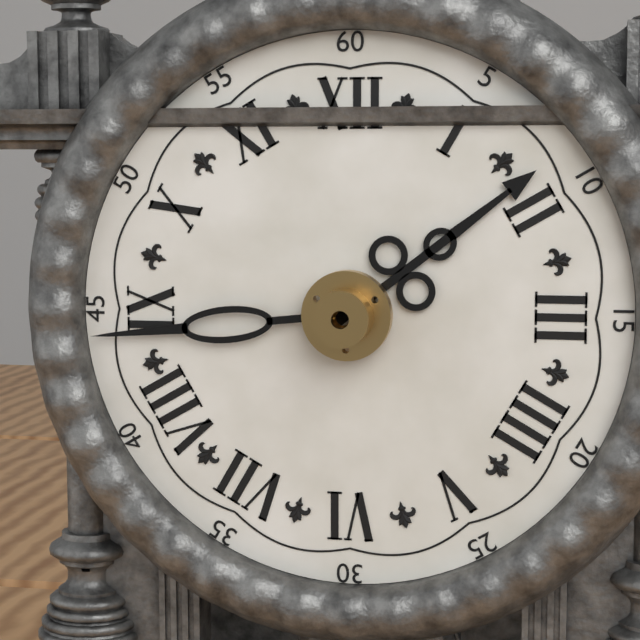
1 h 44 min
